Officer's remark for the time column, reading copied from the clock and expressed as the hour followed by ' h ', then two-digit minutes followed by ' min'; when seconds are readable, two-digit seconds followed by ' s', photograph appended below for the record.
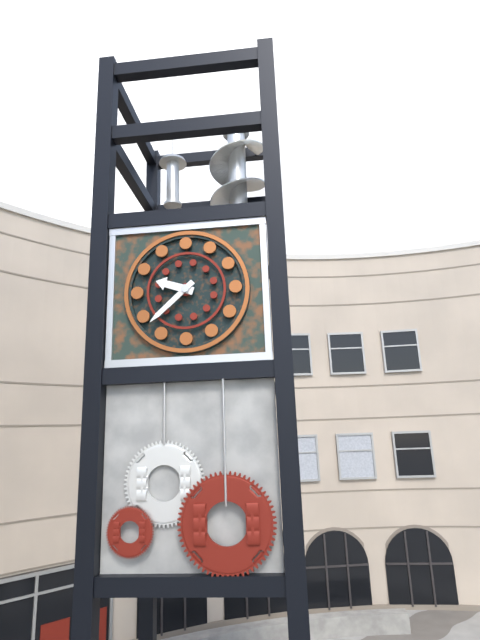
9 h 38 min
